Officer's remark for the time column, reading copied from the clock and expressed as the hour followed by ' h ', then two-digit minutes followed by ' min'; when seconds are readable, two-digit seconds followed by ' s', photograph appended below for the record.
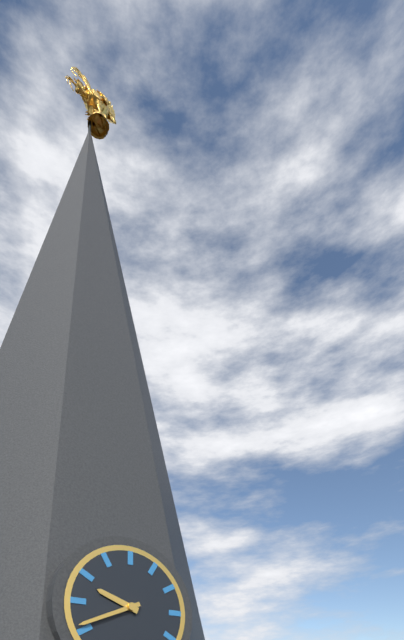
9 h 41 min
